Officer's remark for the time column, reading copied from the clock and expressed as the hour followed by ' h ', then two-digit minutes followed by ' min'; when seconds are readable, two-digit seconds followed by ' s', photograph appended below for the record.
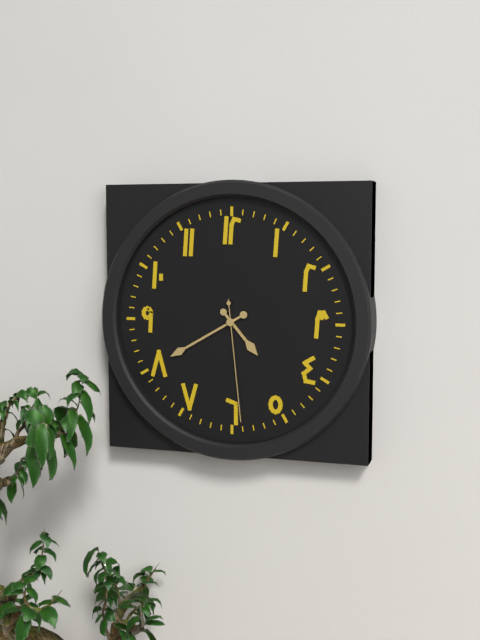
4 h 40 min 29 s
